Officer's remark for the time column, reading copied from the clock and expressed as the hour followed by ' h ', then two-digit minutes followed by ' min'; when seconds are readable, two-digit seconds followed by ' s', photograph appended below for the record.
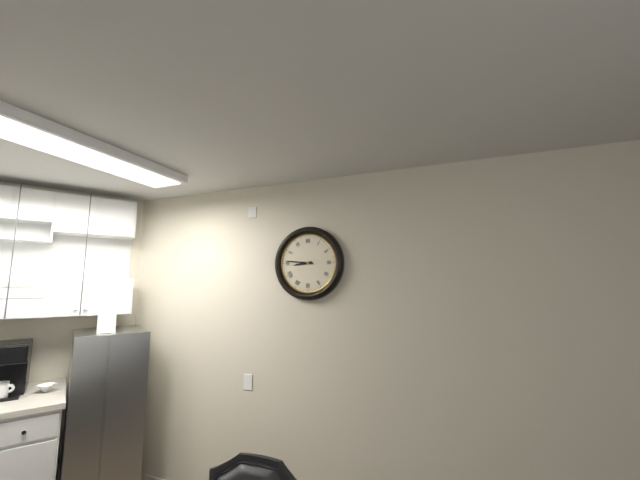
8 h 46 min
